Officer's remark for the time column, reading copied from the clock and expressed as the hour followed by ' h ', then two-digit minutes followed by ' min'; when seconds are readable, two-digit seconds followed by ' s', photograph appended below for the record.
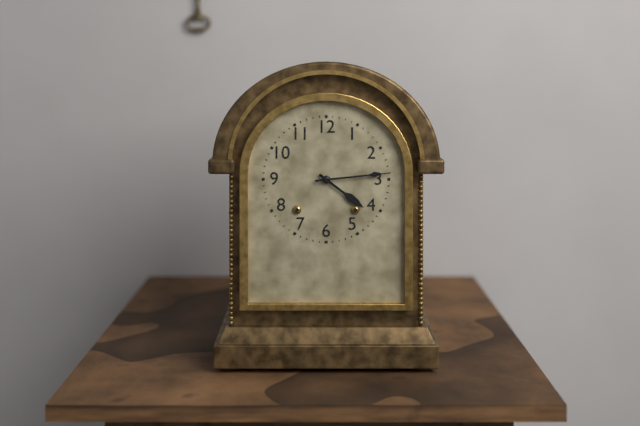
4 h 14 min
